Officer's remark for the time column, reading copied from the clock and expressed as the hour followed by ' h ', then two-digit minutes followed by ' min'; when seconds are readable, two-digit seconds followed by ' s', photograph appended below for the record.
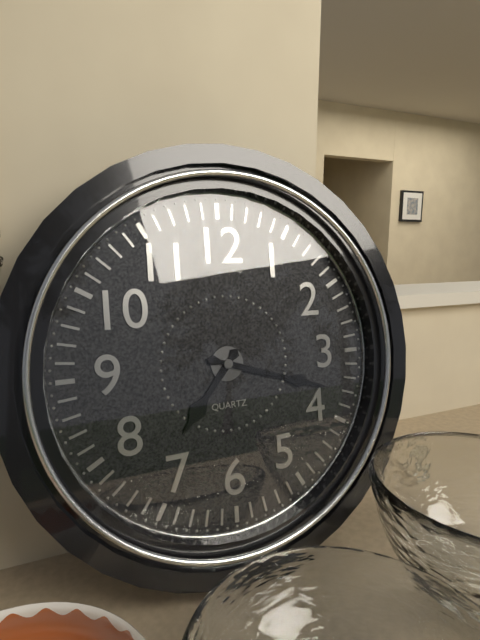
7 h 18 min
